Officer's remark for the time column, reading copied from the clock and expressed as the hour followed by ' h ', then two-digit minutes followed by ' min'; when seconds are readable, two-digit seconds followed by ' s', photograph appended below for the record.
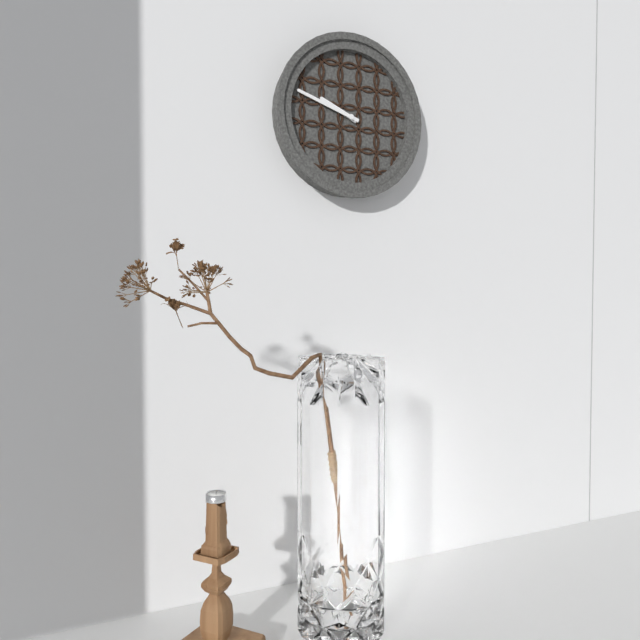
9 h 48 min
